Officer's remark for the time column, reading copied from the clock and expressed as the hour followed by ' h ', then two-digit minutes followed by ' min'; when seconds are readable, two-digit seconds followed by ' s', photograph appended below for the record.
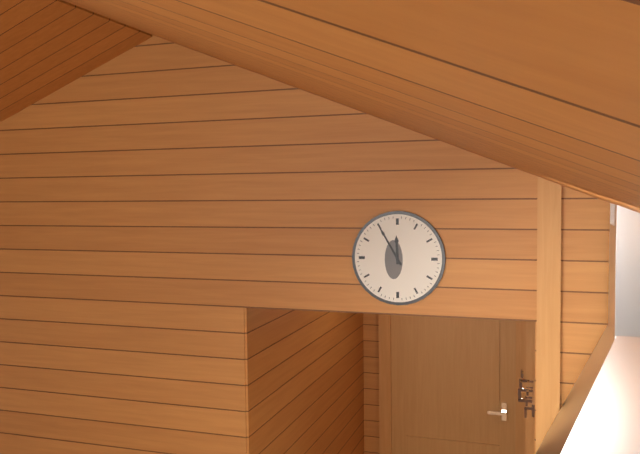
11 h 55 min
